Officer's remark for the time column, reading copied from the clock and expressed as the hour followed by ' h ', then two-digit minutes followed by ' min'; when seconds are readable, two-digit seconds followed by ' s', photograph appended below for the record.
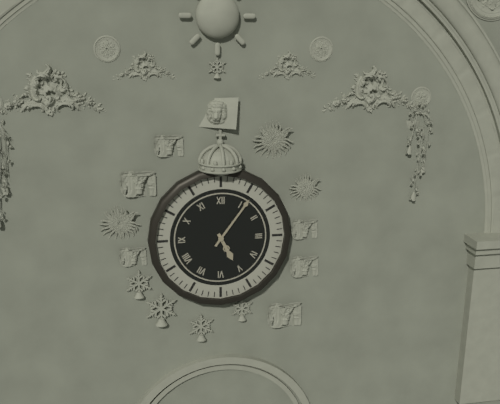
5 h 06 min
